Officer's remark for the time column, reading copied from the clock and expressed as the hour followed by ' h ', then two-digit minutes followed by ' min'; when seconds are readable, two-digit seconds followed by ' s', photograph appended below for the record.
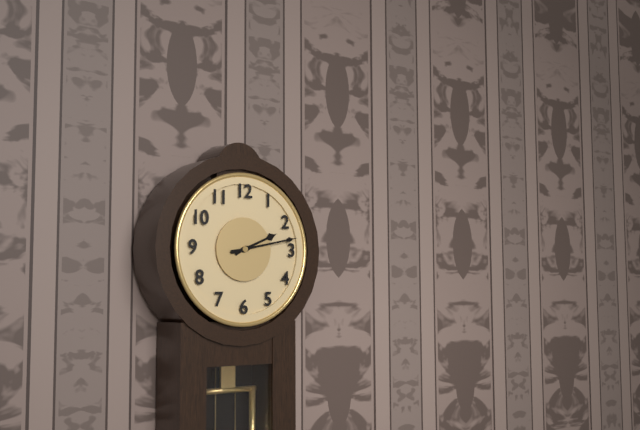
2 h 13 min
